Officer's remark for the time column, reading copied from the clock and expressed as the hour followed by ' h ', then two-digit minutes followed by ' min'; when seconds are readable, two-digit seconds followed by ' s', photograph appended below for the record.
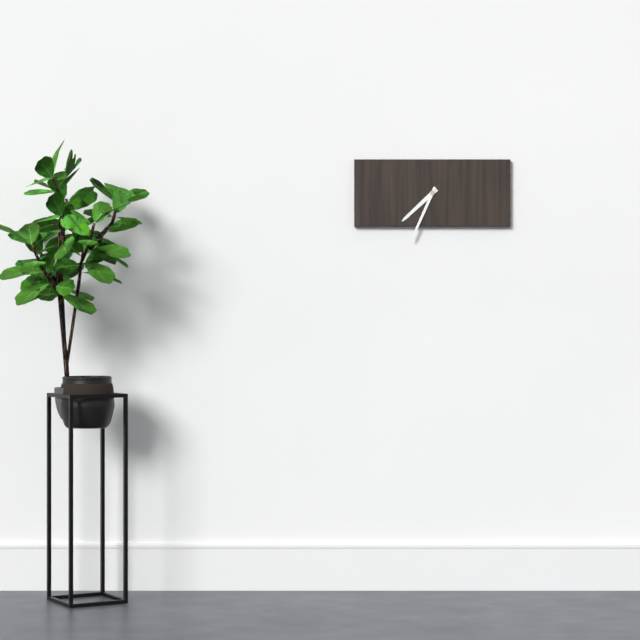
7 h 34 min
